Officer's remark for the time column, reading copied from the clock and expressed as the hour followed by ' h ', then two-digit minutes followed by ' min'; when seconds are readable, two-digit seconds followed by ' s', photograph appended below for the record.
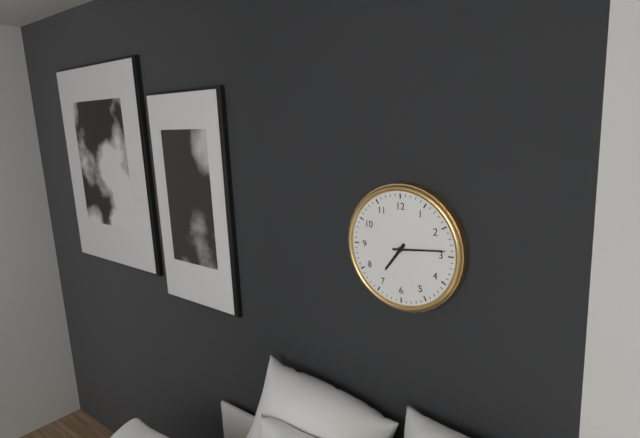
7 h 14 min
